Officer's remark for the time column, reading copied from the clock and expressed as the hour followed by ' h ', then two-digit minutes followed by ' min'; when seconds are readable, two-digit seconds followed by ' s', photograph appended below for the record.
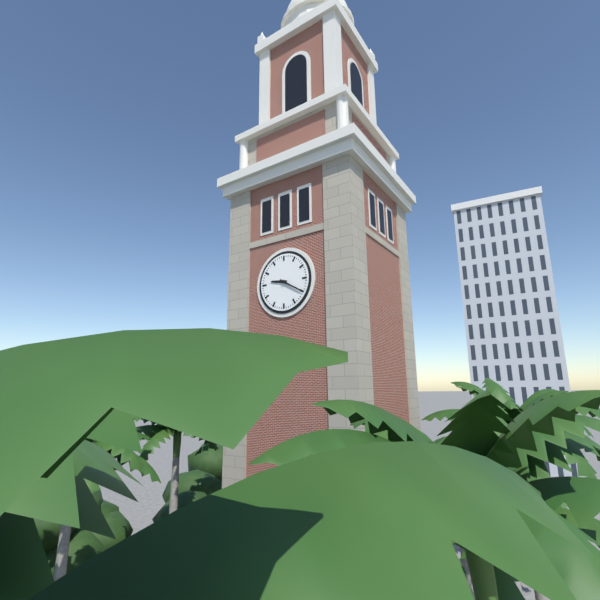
9 h 20 min
